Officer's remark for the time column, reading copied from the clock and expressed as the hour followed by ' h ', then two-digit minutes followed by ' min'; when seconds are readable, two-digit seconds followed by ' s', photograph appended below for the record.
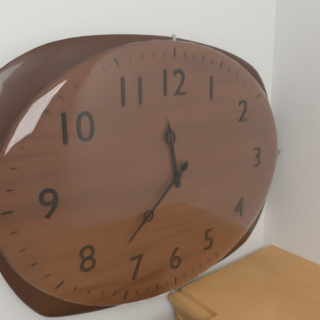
11 h 38 min
